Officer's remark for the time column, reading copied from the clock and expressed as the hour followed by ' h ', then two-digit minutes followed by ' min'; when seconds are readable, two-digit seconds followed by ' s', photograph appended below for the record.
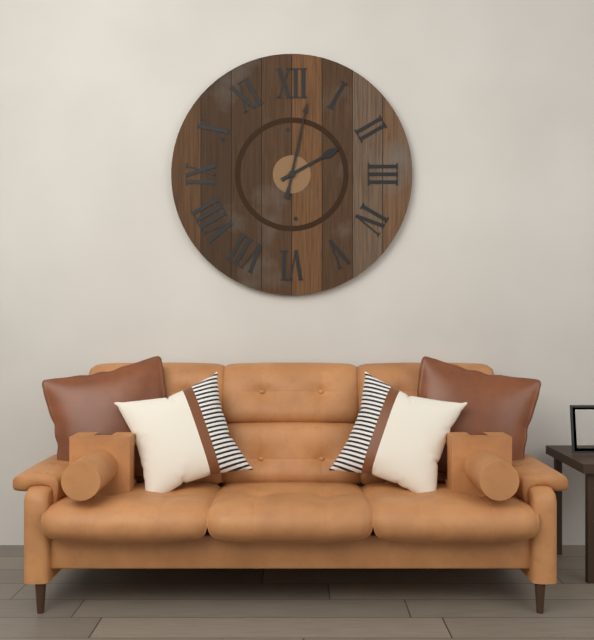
2 h 02 min
